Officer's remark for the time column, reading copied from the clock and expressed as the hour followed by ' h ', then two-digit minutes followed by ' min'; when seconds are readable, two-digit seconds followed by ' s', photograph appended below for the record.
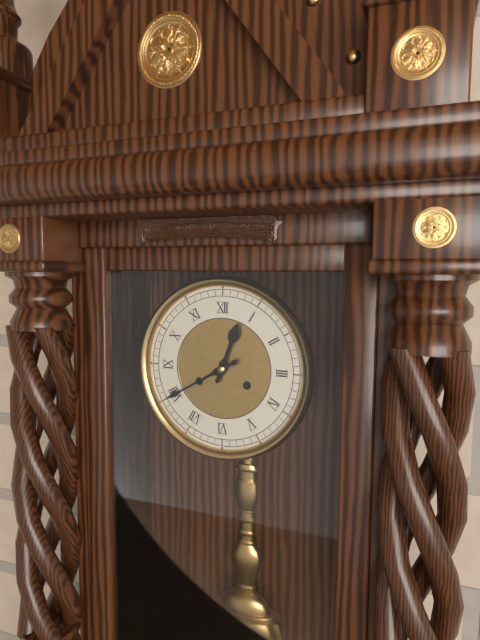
12 h 40 min
